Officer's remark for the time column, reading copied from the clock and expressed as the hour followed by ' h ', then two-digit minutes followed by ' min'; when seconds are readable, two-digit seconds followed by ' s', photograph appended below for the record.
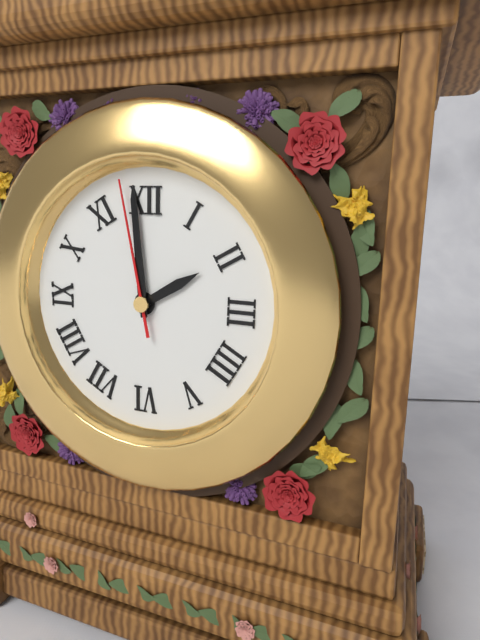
1 h 59 min 58 s
